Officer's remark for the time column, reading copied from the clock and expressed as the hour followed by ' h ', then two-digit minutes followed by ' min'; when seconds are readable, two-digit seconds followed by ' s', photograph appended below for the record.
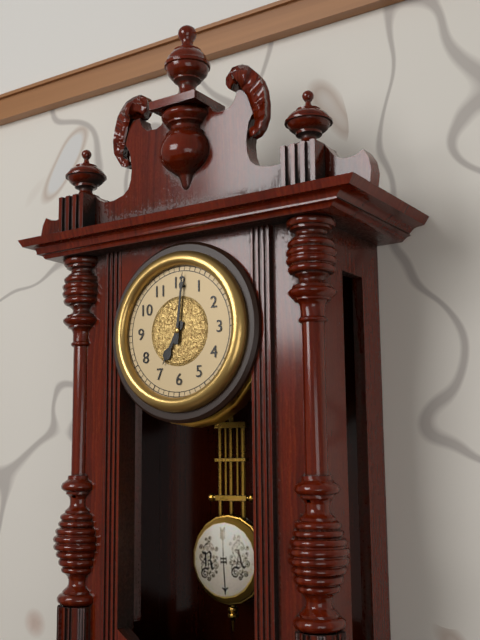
7 h 01 min
